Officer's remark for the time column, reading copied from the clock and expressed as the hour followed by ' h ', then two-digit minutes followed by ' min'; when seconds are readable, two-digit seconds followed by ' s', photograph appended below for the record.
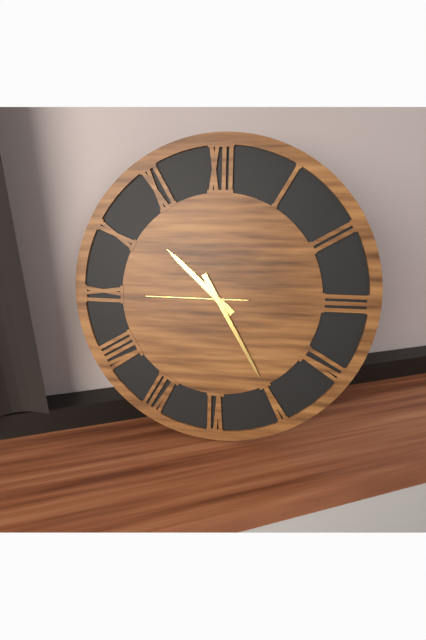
10 h 25 min 45 s
